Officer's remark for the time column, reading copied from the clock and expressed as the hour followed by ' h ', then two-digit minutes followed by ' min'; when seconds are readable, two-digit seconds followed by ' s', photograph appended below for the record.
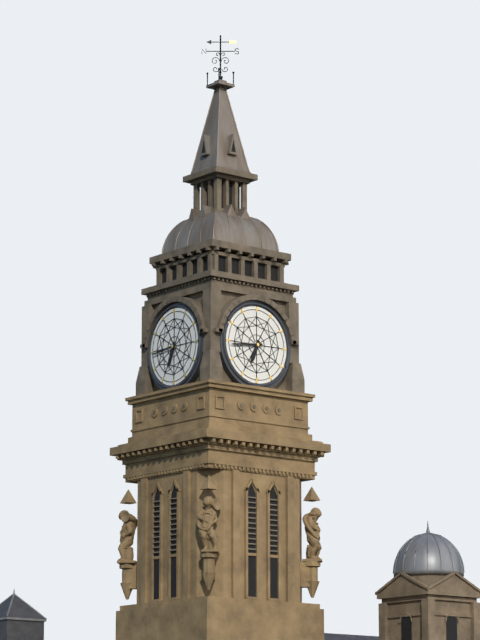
6 h 44 min
